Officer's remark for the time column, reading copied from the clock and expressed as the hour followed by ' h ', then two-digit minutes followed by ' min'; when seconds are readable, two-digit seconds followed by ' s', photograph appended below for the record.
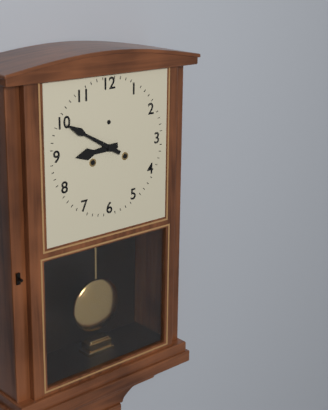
8 h 50 min
